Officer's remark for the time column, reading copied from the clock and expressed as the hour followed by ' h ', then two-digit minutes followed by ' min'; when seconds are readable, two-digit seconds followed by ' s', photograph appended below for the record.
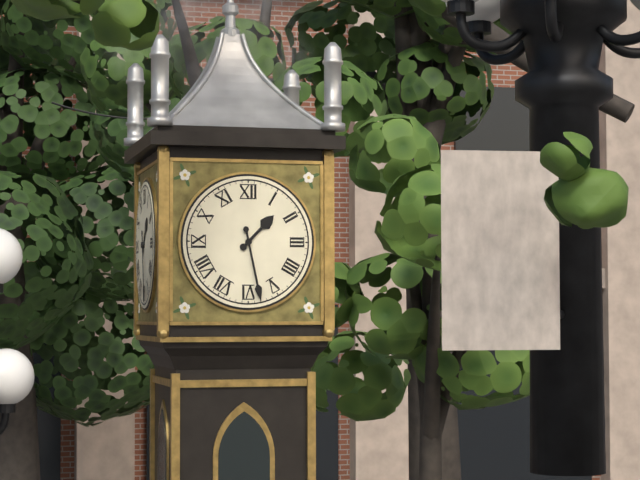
1 h 28 min
